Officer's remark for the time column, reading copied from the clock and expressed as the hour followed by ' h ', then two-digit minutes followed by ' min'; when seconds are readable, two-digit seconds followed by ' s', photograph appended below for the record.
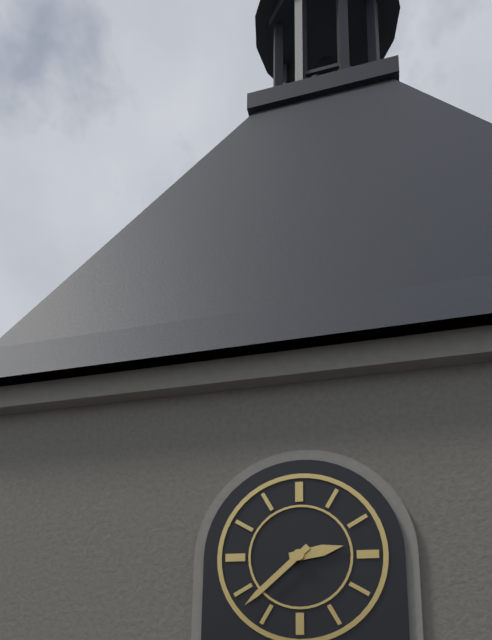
2 h 38 min
